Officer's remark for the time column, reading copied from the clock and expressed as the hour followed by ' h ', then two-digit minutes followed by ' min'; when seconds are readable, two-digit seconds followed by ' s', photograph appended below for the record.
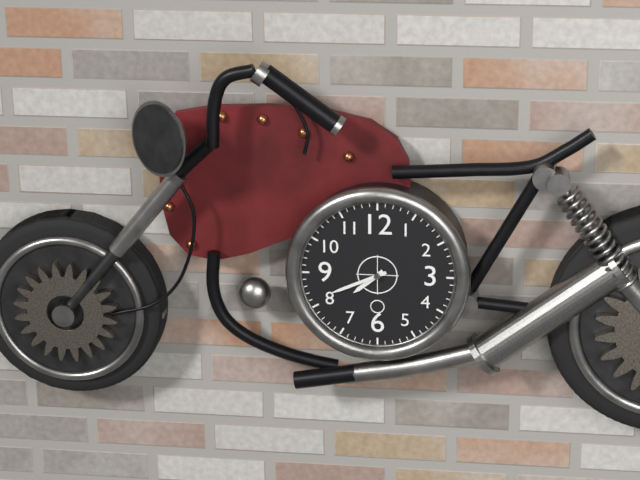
7 h 41 min
